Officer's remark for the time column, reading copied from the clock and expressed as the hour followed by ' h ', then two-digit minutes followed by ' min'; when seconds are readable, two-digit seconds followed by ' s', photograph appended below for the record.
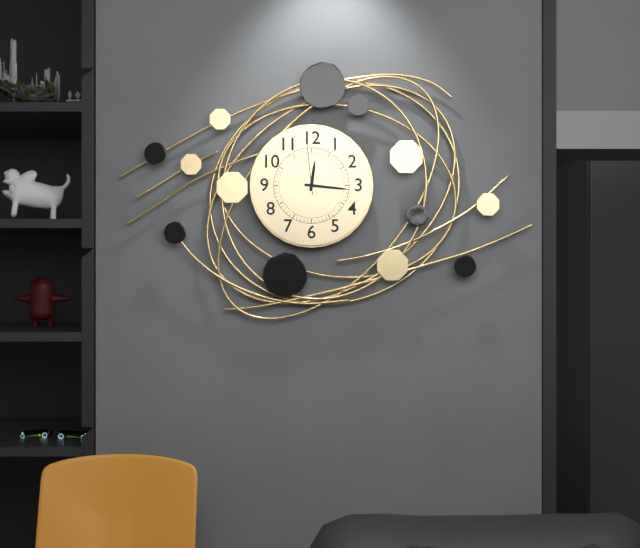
12 h 16 min 59 s
